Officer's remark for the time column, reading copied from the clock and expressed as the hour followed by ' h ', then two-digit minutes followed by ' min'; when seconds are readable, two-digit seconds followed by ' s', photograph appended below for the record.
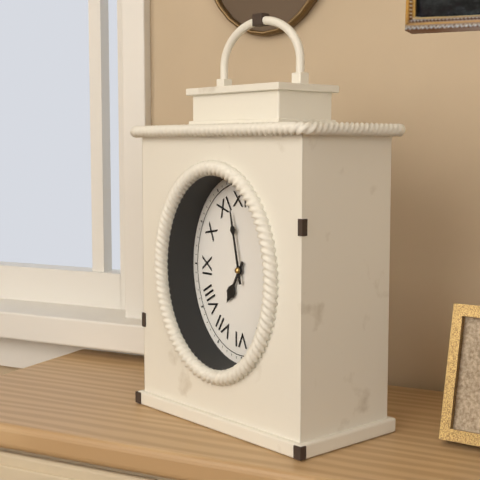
6 h 58 min
